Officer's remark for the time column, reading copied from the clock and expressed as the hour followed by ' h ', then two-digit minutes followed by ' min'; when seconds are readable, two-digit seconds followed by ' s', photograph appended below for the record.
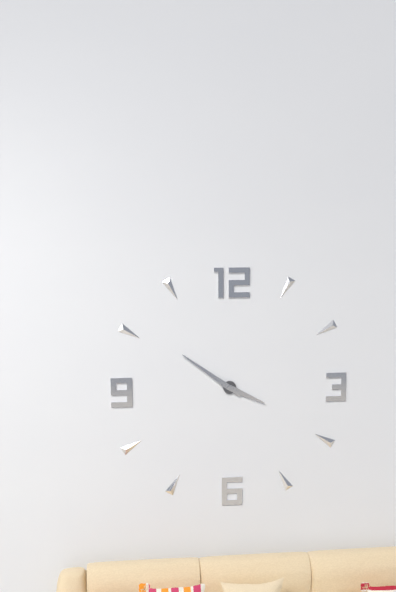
3 h 51 min
